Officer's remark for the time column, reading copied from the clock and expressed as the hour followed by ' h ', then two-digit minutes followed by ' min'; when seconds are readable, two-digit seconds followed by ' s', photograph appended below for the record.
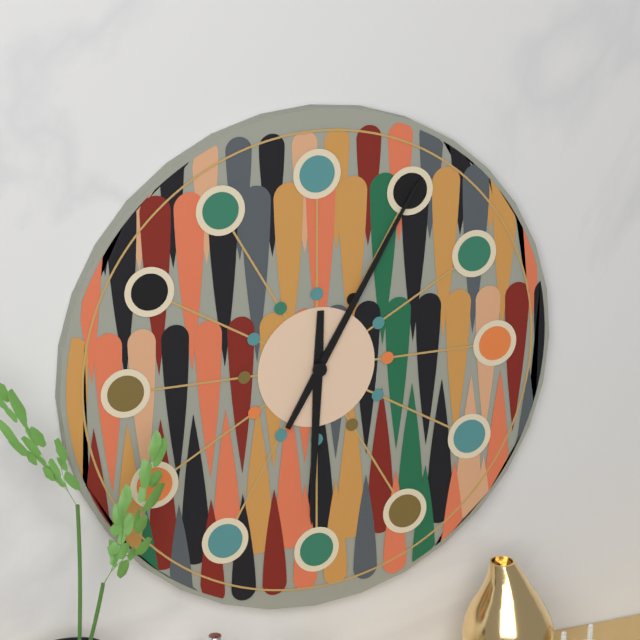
6 h 05 min
